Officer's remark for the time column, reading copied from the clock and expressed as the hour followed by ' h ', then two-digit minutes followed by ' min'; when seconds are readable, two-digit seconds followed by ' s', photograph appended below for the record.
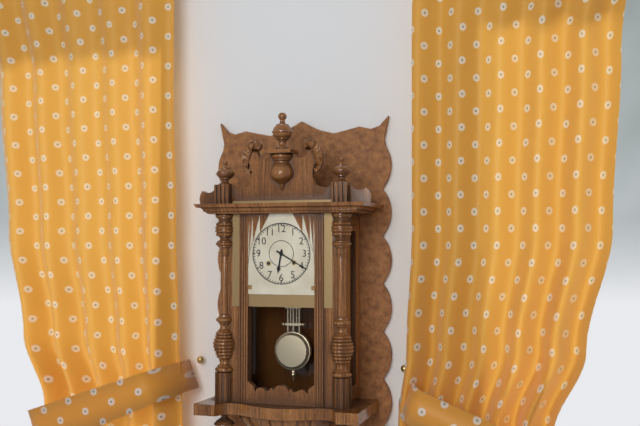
6 h 20 min
